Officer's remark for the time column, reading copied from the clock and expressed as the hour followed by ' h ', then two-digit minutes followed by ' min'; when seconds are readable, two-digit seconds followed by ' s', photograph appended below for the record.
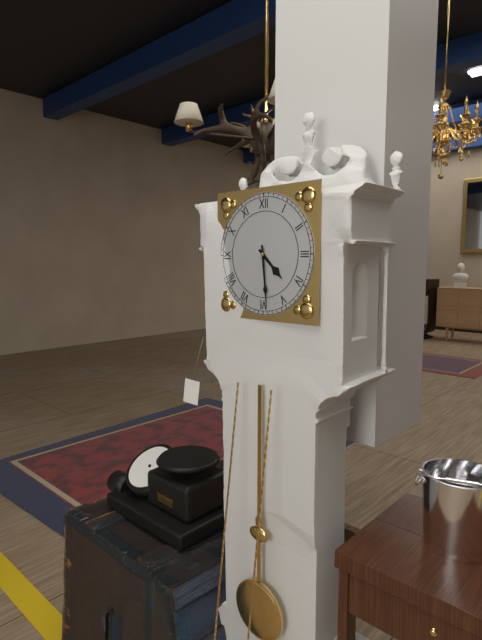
4 h 29 min
